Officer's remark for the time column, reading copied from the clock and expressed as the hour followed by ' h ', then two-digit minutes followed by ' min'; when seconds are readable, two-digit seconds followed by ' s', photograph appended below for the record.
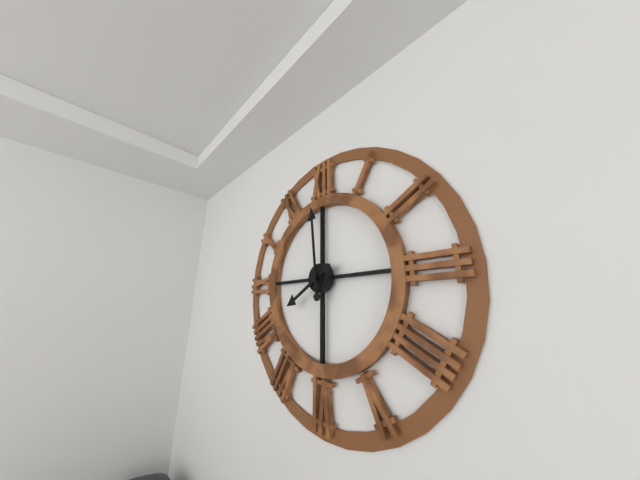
7 h 59 min
